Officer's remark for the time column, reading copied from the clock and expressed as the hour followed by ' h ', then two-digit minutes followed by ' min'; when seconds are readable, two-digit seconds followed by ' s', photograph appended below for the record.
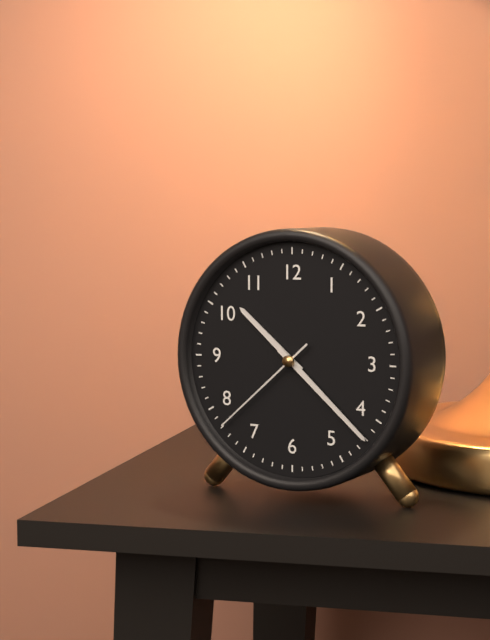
10 h 22 min 38 s
